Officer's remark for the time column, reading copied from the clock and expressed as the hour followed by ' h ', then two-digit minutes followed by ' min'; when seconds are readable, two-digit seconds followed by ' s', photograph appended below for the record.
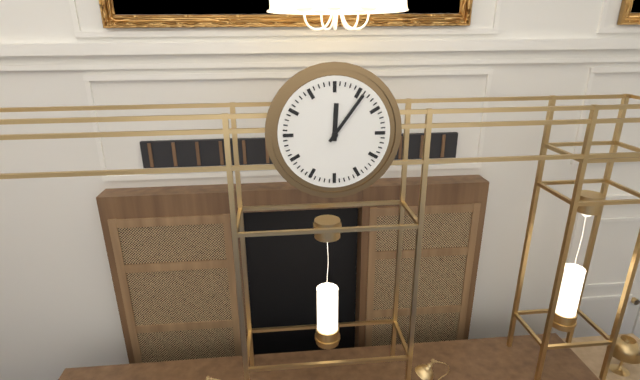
12 h 06 min
